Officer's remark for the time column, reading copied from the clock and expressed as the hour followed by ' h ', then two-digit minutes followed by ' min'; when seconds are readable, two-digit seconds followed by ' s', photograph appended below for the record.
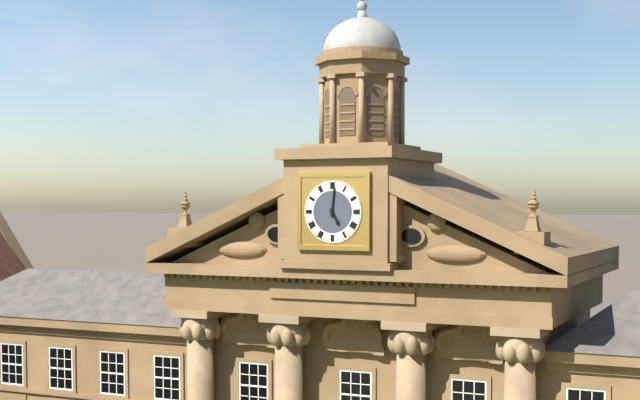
5 h 01 min
